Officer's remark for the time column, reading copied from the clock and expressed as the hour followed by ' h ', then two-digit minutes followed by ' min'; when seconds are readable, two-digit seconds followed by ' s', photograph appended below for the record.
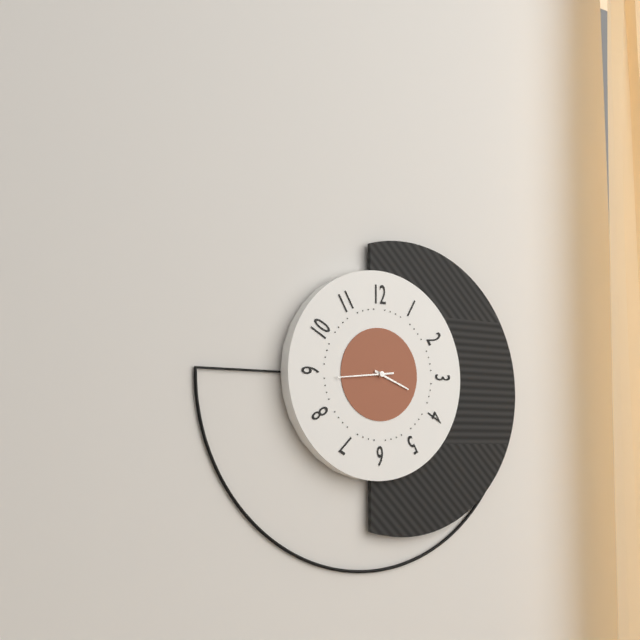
3 h 44 min
